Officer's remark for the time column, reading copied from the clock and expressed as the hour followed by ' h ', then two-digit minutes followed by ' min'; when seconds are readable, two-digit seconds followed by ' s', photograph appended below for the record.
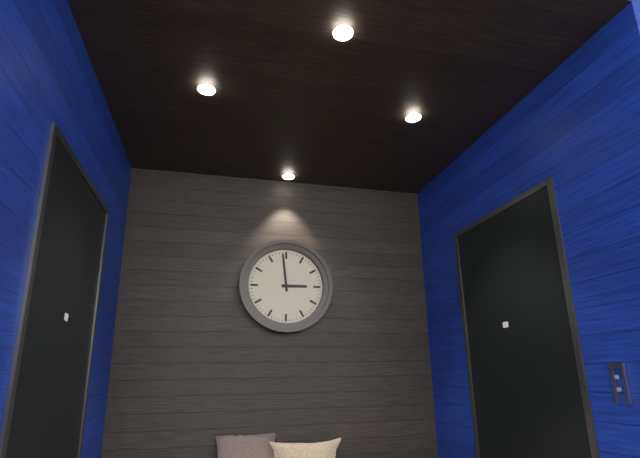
2 h 59 min
